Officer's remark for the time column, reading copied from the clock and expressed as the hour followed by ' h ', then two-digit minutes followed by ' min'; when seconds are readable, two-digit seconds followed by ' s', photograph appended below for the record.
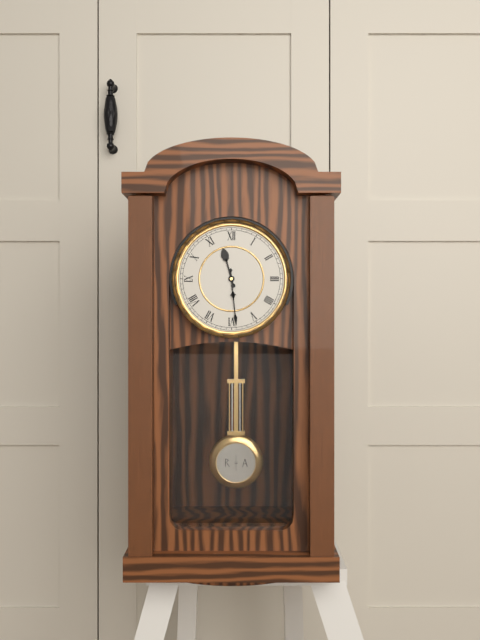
11 h 29 min
